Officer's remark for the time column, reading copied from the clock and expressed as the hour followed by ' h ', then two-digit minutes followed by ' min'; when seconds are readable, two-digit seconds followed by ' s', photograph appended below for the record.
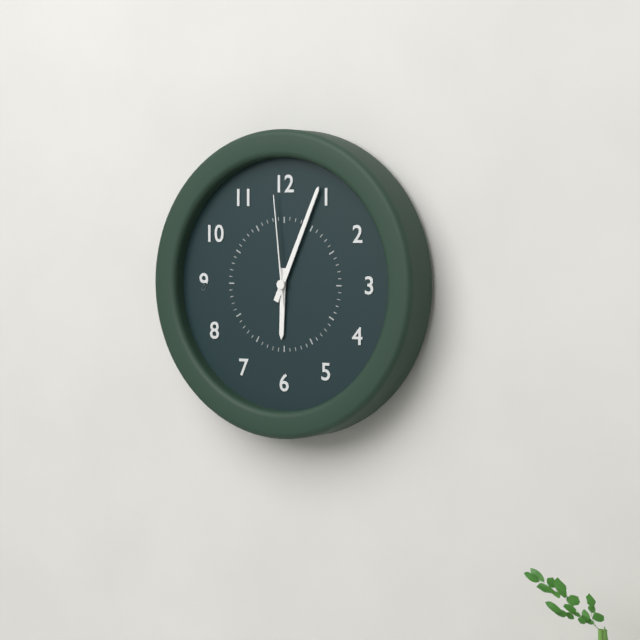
6 h 04 min 59 s
